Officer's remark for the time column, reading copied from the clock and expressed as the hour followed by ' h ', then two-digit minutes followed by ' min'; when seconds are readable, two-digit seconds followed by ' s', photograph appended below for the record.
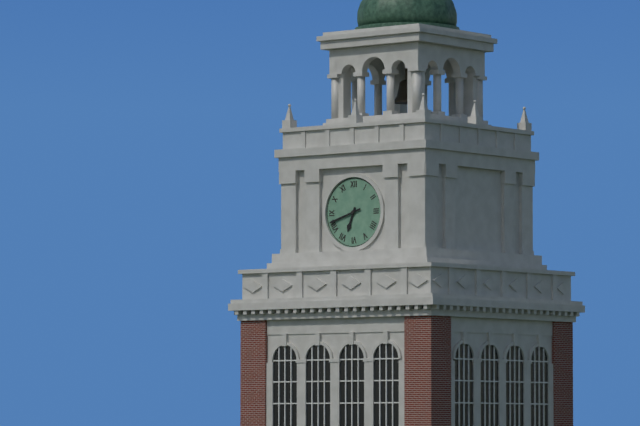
6 h 42 min
